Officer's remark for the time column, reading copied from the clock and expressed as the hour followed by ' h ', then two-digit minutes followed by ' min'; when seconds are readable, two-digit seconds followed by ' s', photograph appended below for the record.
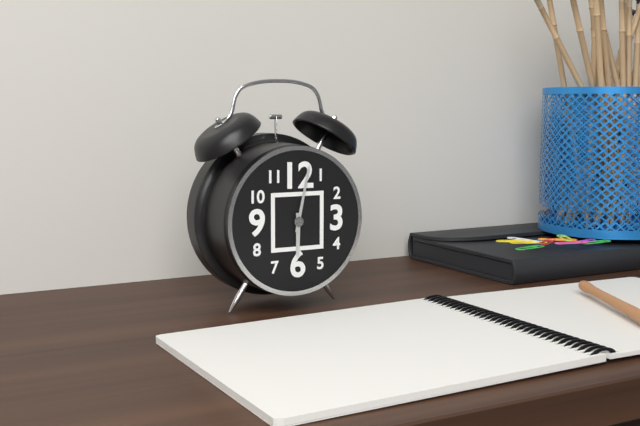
6 h 02 min
